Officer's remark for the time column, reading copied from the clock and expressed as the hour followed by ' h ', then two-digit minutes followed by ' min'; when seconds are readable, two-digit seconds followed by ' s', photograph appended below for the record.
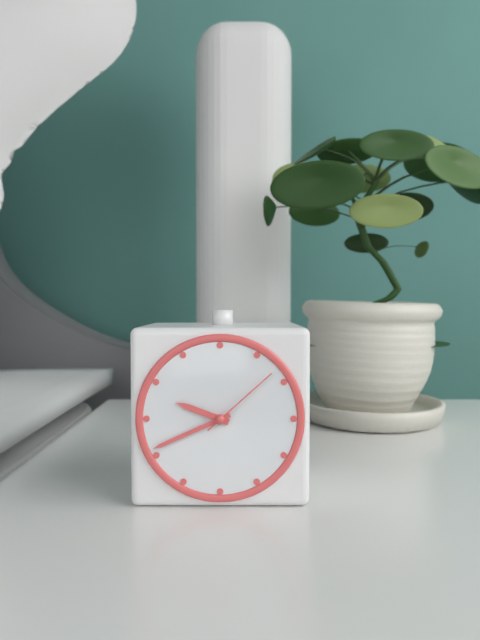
9 h 41 min 08 s
